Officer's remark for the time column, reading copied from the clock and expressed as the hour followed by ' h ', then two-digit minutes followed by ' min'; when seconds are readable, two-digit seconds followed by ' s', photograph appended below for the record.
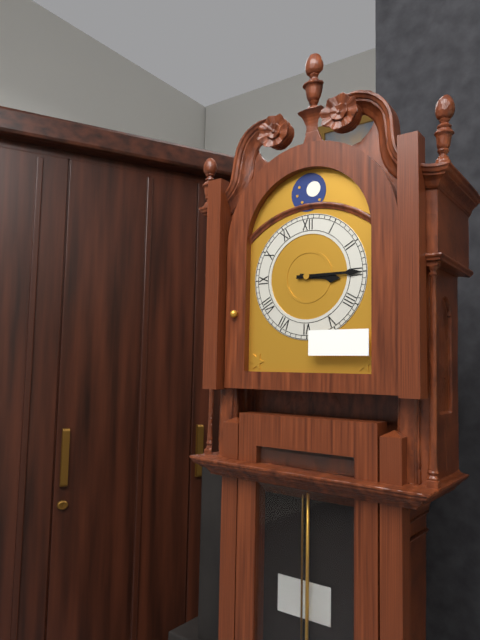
3 h 15 min
